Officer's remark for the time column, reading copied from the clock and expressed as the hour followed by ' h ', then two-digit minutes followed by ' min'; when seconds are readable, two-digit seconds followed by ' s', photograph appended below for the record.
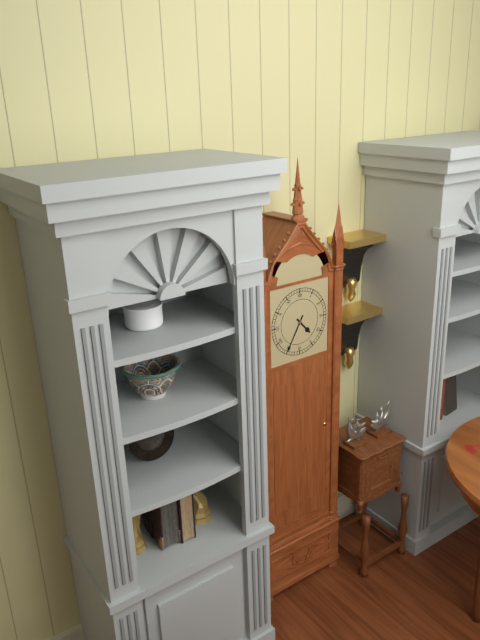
4 h 35 min
